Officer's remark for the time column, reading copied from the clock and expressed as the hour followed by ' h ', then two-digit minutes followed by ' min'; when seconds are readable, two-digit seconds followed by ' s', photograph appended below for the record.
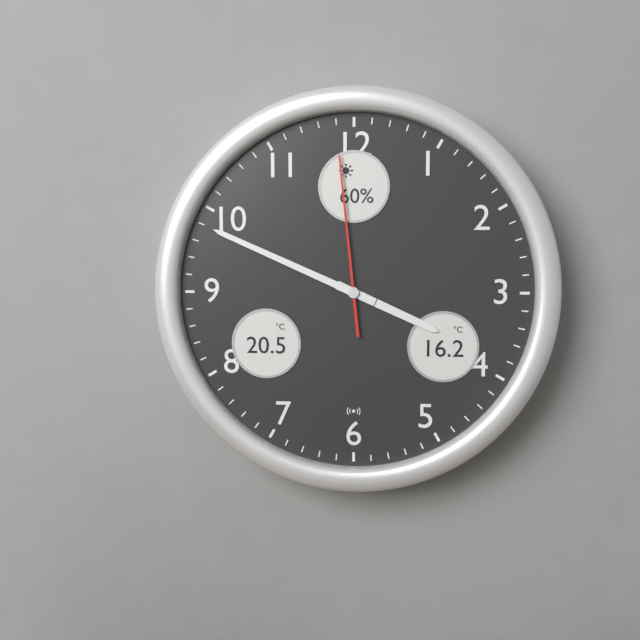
3 h 49 min 59 s
